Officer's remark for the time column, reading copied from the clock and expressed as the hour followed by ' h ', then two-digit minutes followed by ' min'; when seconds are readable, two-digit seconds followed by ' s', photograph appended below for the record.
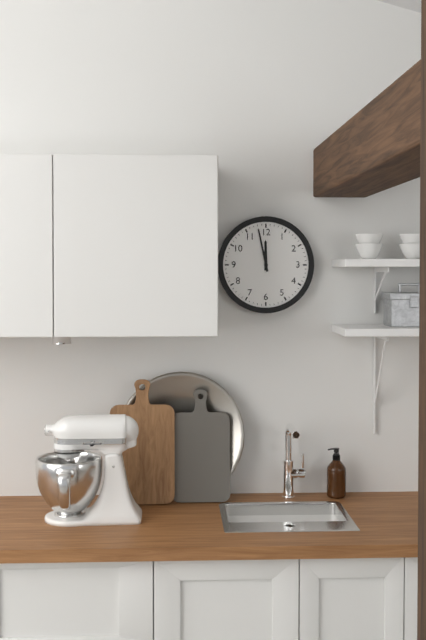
11 h 58 min
